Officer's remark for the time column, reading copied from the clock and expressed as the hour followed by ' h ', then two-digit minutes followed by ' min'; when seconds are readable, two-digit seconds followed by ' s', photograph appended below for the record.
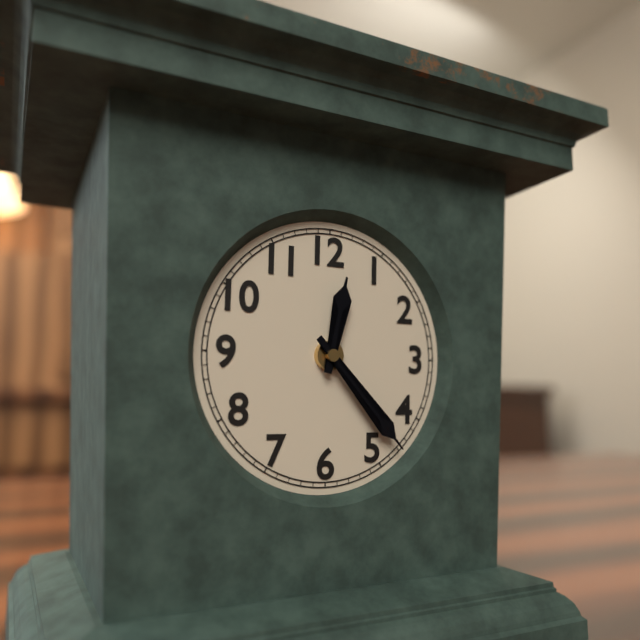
12 h 23 min
